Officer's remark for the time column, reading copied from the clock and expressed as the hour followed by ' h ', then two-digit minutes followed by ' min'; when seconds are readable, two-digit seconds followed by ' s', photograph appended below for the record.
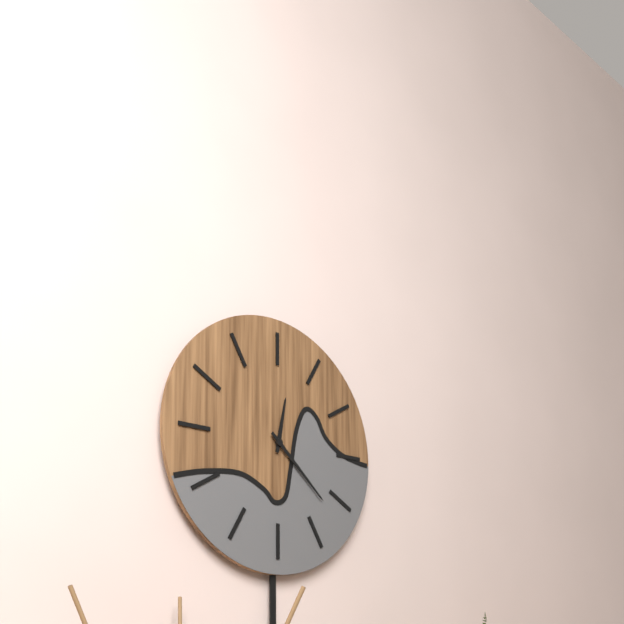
12 h 22 min
